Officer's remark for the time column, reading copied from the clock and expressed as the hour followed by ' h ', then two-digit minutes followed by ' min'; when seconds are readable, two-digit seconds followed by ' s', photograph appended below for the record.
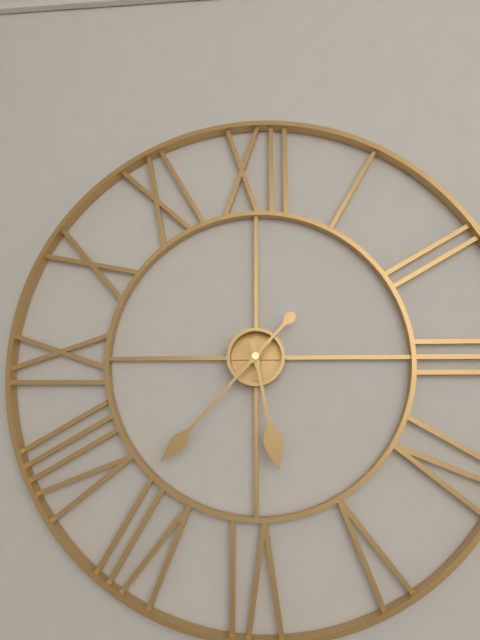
5 h 37 min
